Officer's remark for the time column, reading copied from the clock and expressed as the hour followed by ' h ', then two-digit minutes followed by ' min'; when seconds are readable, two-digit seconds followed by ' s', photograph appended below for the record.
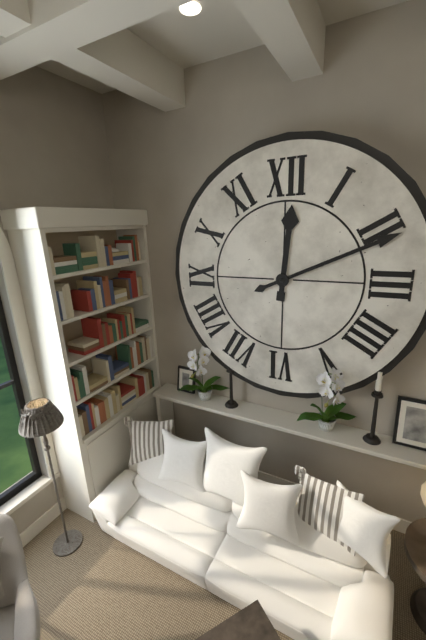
12 h 11 min
